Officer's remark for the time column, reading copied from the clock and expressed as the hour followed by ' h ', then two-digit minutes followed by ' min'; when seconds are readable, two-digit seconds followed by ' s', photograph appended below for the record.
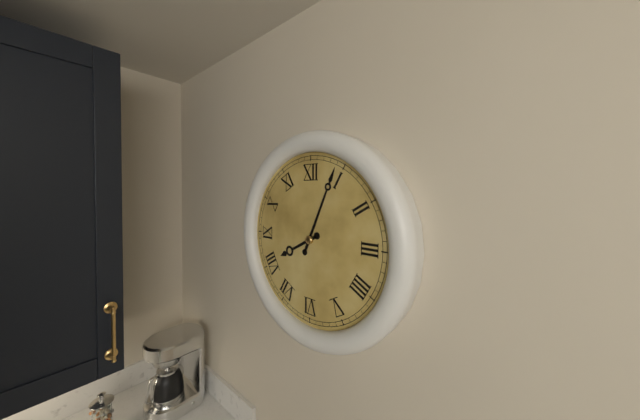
8 h 04 min
